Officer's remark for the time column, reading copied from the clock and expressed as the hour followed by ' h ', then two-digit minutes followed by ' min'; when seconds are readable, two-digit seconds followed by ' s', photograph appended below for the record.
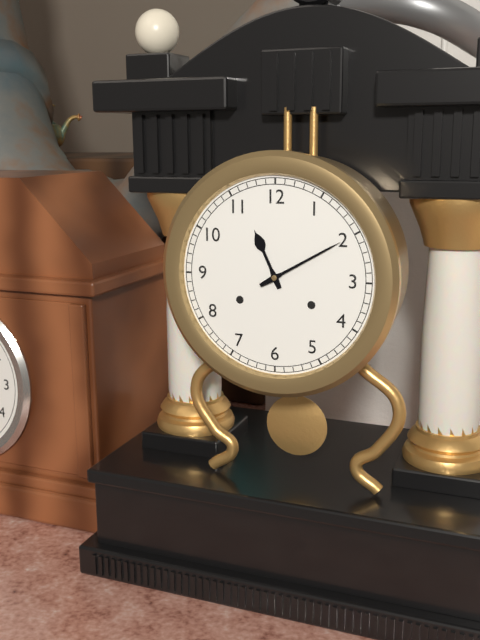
11 h 10 min
